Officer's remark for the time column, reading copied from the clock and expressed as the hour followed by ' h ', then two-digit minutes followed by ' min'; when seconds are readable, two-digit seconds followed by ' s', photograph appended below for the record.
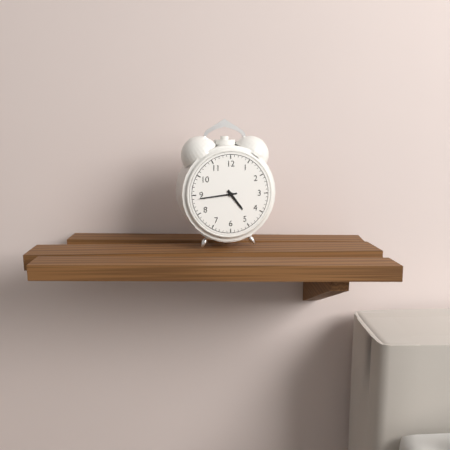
4 h 44 min
